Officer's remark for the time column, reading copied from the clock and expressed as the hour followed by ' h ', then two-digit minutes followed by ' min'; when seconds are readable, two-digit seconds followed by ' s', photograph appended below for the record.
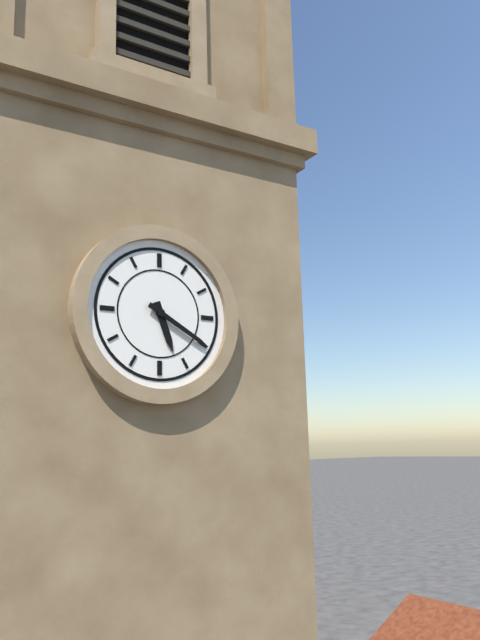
5 h 20 min
